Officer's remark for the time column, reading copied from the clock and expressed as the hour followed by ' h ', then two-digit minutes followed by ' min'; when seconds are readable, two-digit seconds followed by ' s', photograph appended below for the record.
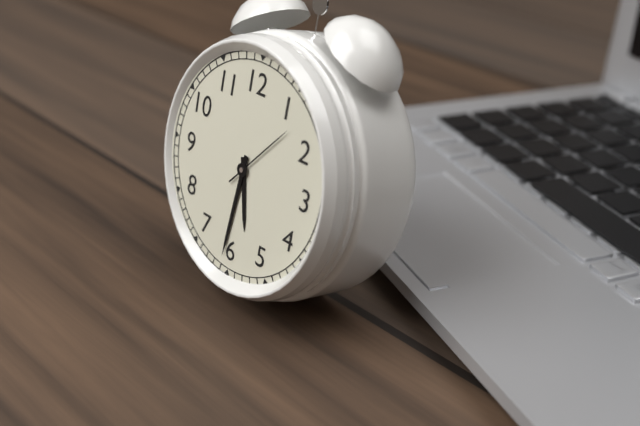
5 h 31 min 07 s
